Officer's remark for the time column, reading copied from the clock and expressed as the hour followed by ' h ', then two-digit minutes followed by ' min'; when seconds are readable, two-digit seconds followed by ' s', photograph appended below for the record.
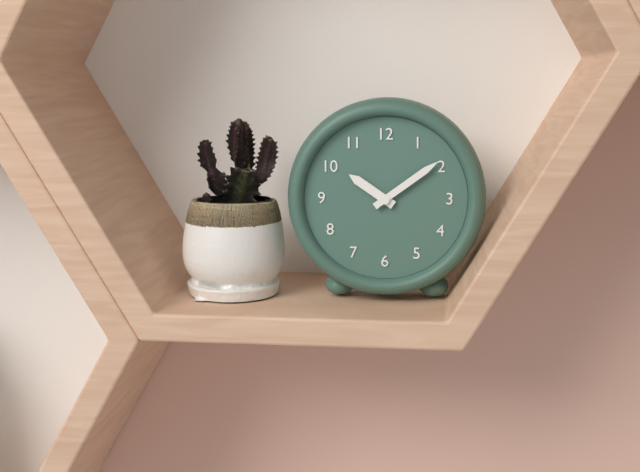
10 h 09 min
